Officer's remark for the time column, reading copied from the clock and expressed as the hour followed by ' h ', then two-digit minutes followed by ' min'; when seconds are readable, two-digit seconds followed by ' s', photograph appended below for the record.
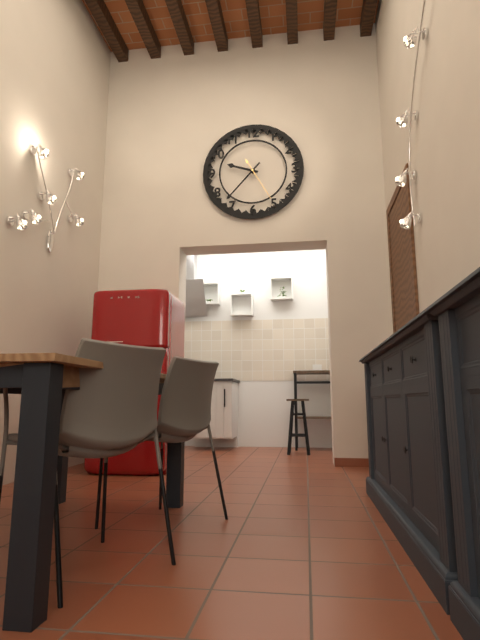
9 h 37 min
